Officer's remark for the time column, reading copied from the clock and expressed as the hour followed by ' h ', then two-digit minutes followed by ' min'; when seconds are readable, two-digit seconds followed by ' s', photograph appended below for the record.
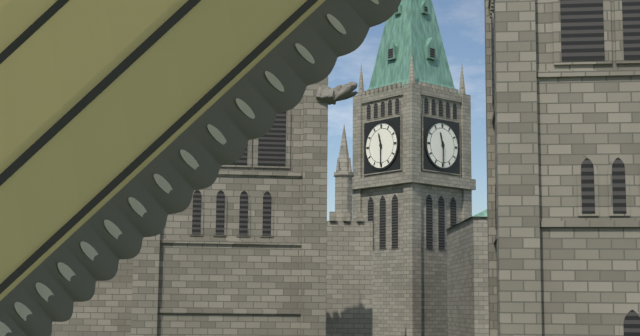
11 h 30 min
